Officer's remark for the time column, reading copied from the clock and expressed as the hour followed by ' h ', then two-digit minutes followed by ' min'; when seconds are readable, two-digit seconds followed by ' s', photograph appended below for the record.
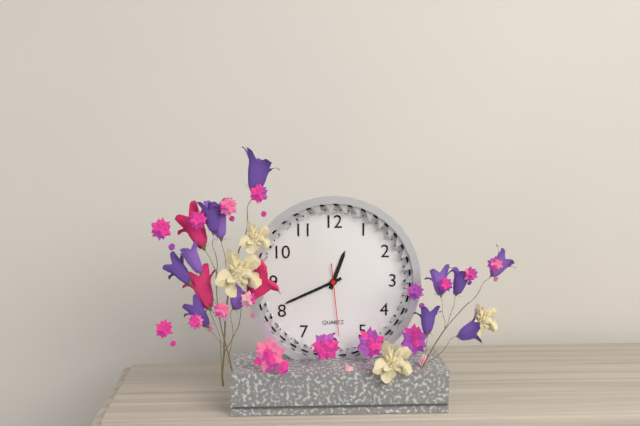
12 h 41 min 29 s
